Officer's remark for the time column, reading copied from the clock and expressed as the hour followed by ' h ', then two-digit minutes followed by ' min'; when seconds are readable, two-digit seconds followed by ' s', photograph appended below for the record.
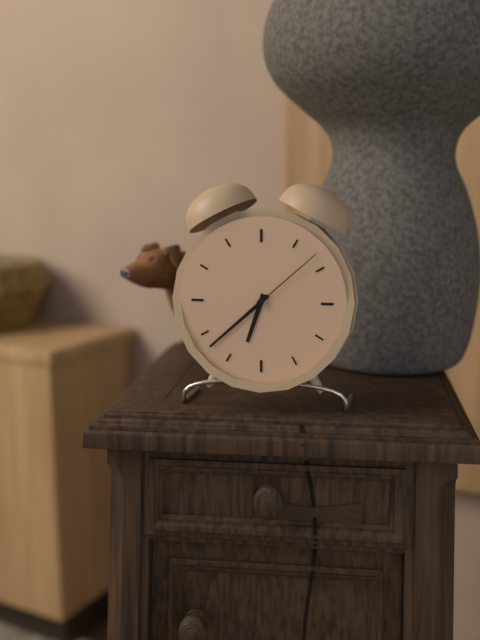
6 h 38 min 08 s
